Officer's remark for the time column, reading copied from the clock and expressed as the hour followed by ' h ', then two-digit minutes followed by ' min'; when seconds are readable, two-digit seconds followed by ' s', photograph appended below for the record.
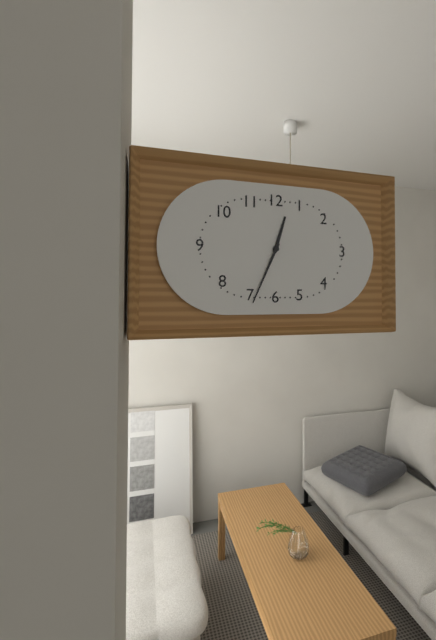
12 h 34 min
